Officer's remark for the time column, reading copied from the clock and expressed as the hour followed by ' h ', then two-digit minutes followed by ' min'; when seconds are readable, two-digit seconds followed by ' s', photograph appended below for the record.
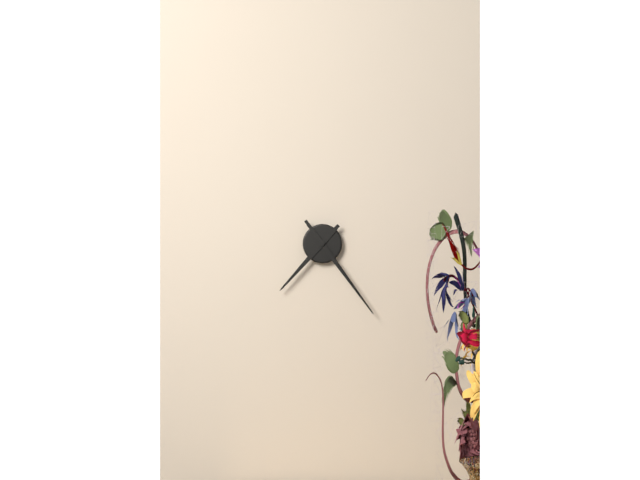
7 h 24 min
